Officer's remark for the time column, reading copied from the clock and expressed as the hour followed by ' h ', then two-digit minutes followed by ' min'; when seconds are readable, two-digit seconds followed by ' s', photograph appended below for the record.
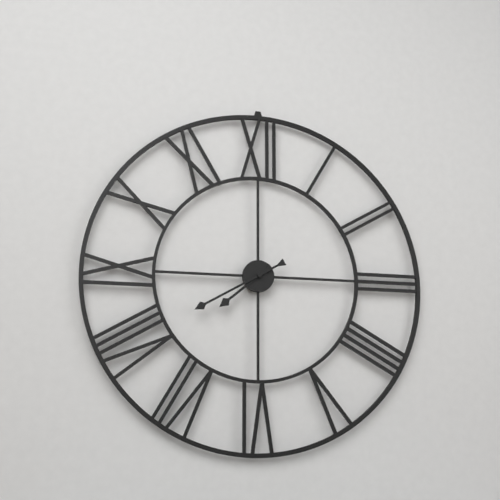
7 h 40 min
